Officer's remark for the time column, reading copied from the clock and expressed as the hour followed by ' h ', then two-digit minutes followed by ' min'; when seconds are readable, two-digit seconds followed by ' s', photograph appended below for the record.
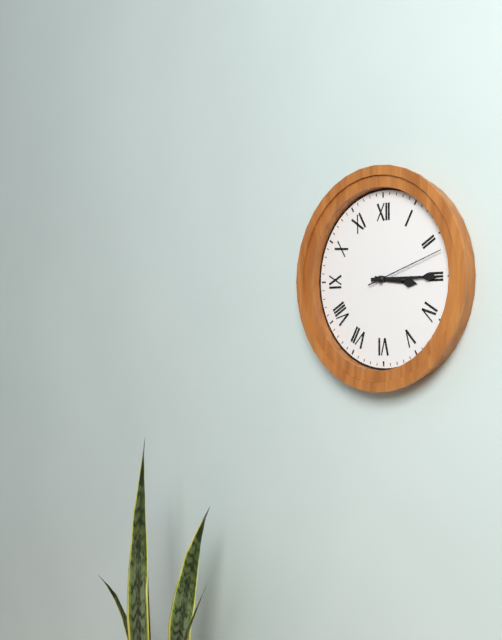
3 h 15 min 12 s
